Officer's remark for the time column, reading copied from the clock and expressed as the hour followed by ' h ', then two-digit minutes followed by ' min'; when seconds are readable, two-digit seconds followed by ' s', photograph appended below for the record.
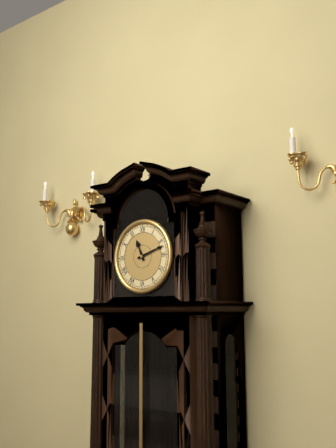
11 h 12 min
